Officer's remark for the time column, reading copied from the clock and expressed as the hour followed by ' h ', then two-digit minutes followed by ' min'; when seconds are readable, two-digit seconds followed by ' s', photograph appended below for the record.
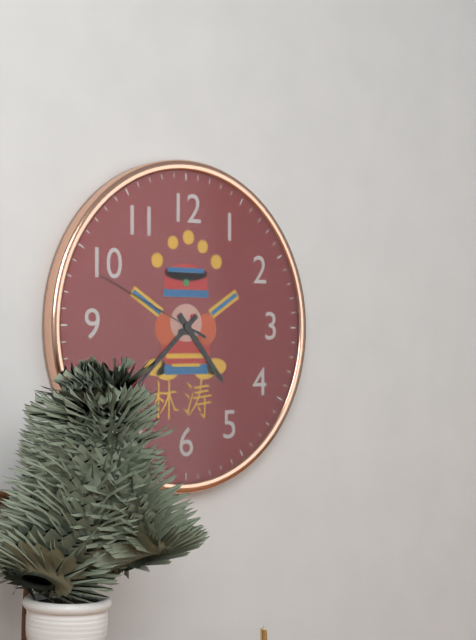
4 h 38 min 49 s
